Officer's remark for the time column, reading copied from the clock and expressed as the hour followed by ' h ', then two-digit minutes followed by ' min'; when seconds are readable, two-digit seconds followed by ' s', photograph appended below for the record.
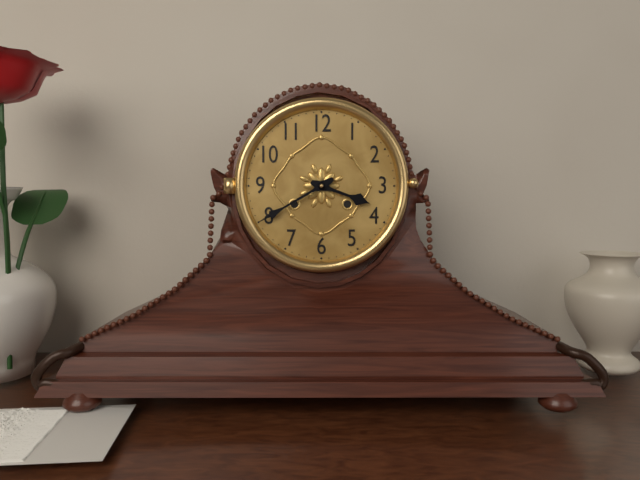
3 h 40 min
